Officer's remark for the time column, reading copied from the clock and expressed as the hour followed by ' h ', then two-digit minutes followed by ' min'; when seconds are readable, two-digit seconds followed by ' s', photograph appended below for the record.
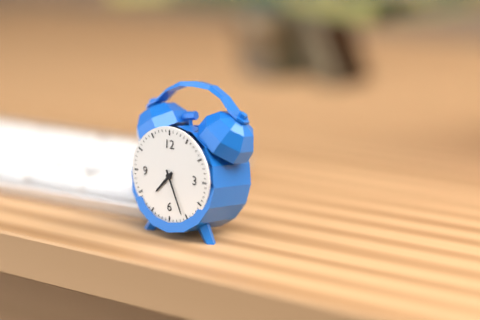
7 h 26 min
